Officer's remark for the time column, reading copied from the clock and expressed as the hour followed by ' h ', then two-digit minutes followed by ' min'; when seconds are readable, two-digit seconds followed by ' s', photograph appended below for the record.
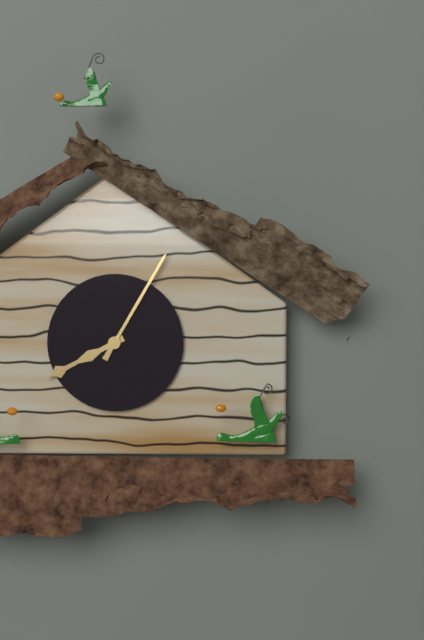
8 h 05 min
